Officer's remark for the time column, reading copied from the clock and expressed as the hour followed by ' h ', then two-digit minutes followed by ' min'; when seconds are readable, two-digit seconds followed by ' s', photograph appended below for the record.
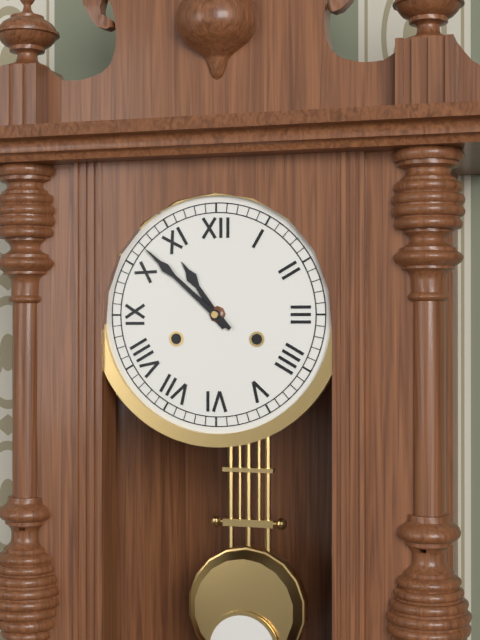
10 h 52 min
